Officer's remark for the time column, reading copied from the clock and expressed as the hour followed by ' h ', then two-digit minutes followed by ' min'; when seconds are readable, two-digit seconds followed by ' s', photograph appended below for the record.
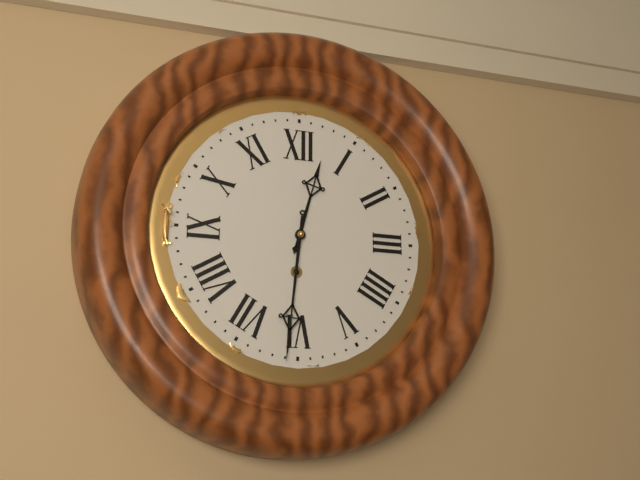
12 h 31 min
